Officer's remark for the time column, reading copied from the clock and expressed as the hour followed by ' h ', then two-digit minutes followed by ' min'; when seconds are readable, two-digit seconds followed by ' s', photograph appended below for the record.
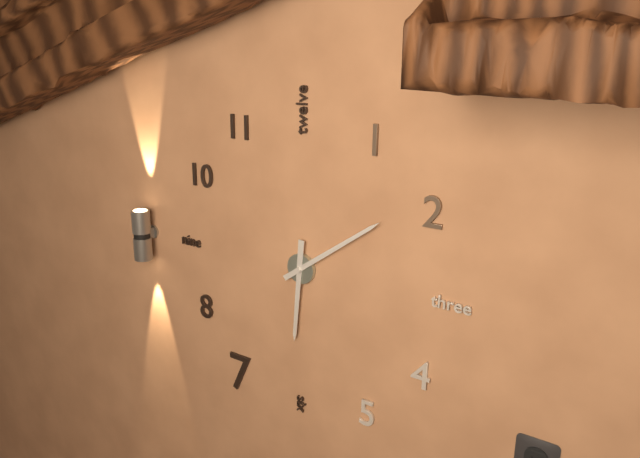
6 h 09 min
